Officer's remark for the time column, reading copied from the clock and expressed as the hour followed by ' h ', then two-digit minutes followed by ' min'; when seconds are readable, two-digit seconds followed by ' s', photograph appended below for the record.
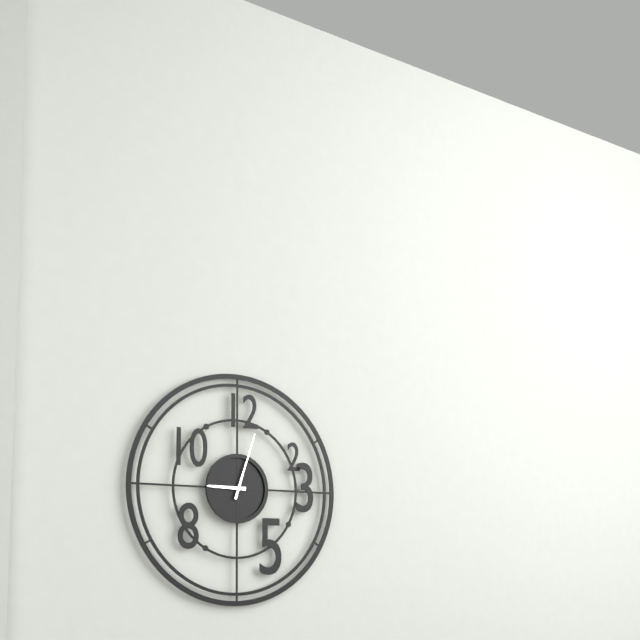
9 h 03 min
